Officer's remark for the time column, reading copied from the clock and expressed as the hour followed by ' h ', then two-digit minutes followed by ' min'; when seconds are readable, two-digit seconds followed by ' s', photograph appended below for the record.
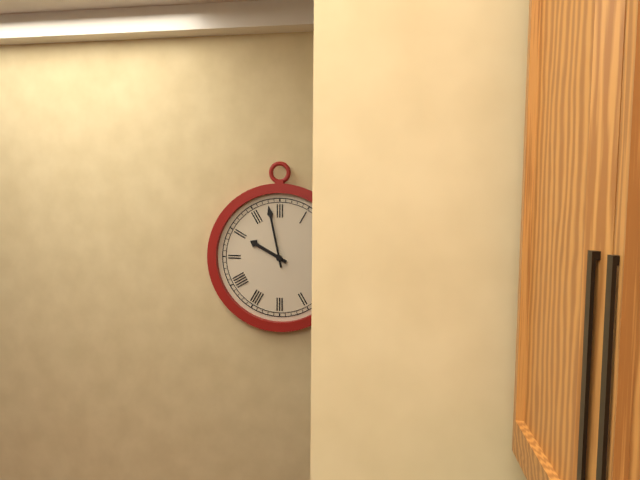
9 h 58 min
